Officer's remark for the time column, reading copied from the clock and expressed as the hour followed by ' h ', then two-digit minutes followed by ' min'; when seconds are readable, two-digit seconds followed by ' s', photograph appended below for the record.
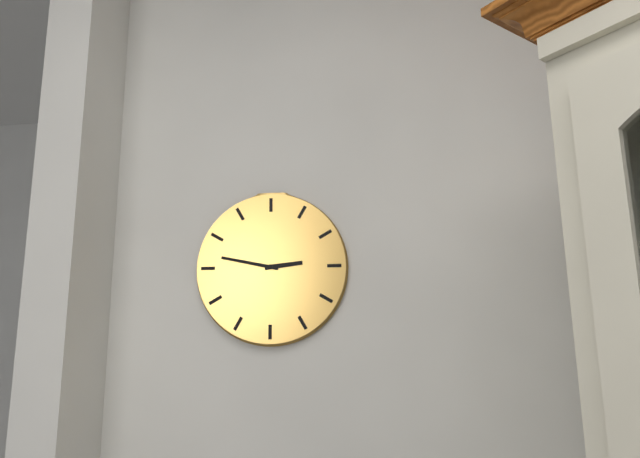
2 h 47 min
